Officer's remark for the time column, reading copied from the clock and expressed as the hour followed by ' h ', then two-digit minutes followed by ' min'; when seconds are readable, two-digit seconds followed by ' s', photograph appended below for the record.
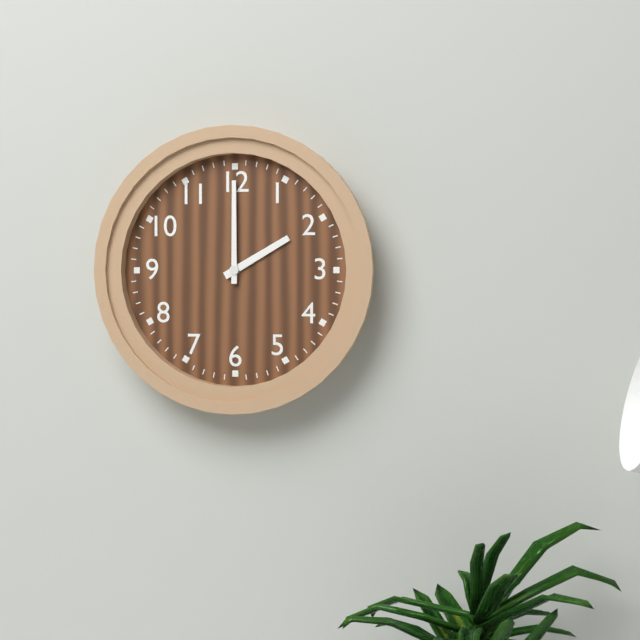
2 h 00 min
